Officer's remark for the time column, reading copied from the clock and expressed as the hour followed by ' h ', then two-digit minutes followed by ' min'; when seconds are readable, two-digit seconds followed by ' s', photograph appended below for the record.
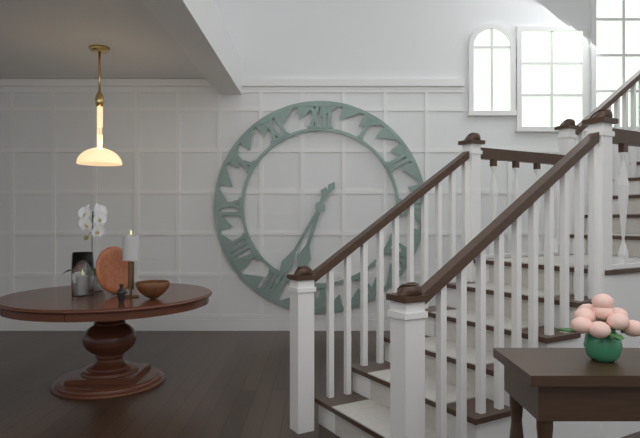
6 h 35 min
